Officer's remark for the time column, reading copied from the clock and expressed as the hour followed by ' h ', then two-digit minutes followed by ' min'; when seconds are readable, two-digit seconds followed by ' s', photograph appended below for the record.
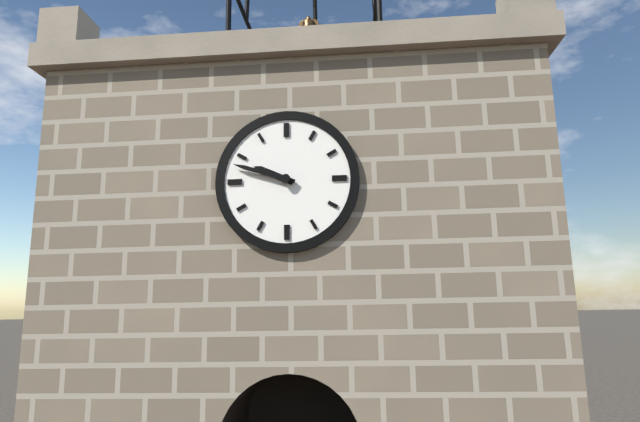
9 h 48 min
